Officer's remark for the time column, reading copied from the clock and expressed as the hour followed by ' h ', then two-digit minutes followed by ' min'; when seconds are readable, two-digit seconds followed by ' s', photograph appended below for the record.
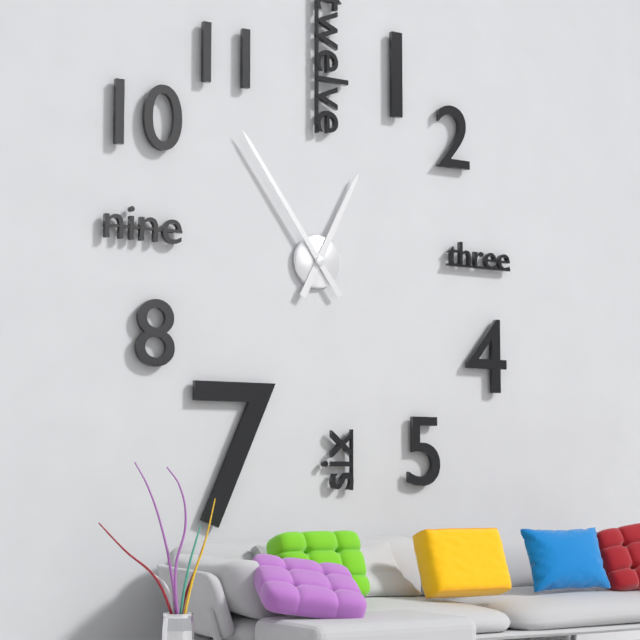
12 h 54 min
